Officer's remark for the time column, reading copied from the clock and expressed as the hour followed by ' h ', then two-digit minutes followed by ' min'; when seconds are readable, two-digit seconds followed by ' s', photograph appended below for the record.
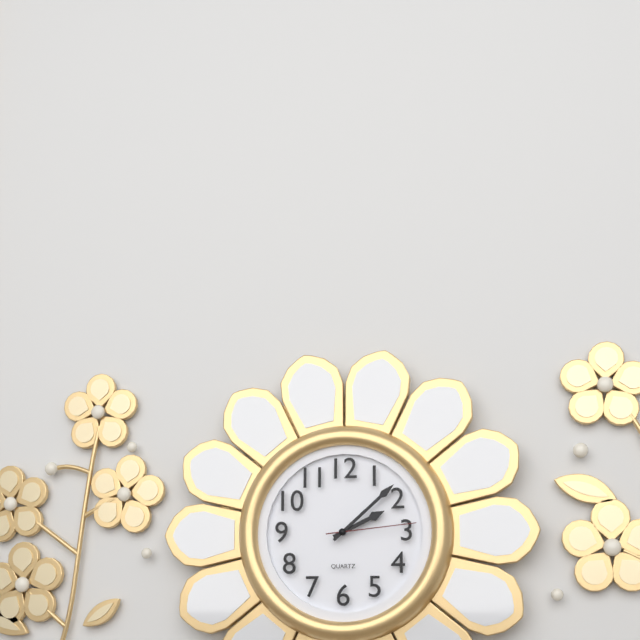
2 h 08 min 14 s
